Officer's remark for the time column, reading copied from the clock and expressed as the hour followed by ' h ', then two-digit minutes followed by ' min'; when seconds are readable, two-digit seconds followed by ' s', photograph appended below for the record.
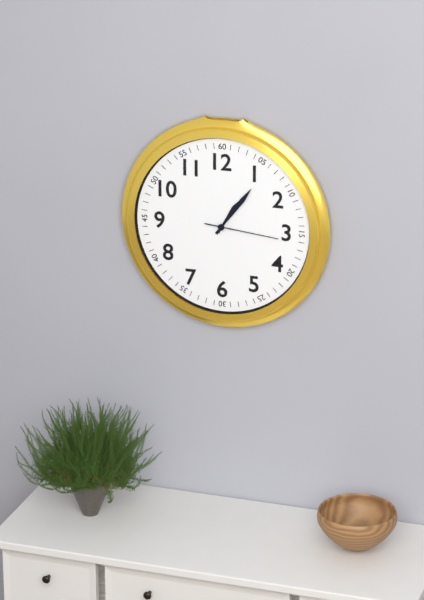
1 h 06 min 16 s
